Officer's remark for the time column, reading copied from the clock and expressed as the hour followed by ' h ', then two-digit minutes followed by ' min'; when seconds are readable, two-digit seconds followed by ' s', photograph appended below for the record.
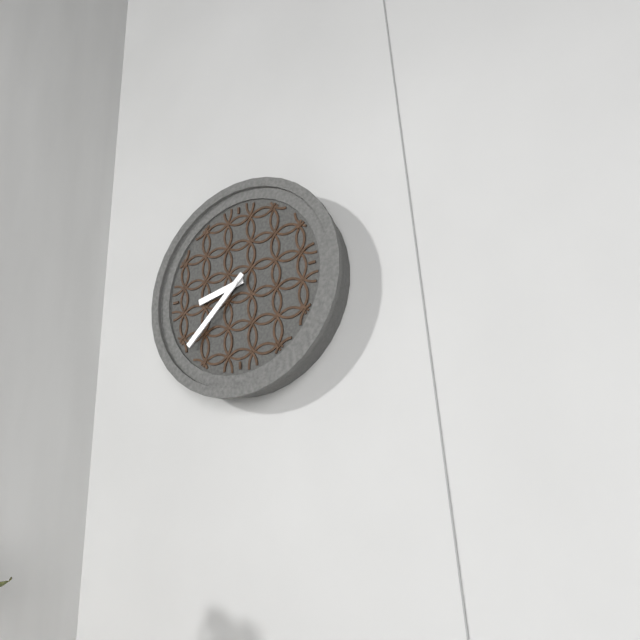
8 h 38 min
